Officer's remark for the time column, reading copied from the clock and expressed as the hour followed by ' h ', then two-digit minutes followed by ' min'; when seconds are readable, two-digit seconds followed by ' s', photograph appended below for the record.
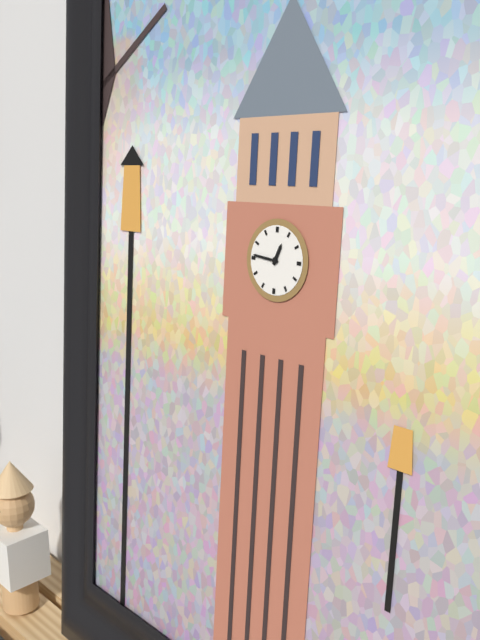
12 h 46 min
